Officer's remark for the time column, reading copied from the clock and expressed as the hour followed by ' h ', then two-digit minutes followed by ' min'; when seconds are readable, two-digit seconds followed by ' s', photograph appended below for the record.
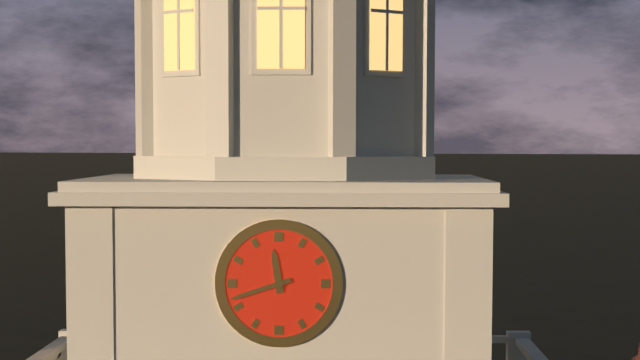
11 h 42 min
